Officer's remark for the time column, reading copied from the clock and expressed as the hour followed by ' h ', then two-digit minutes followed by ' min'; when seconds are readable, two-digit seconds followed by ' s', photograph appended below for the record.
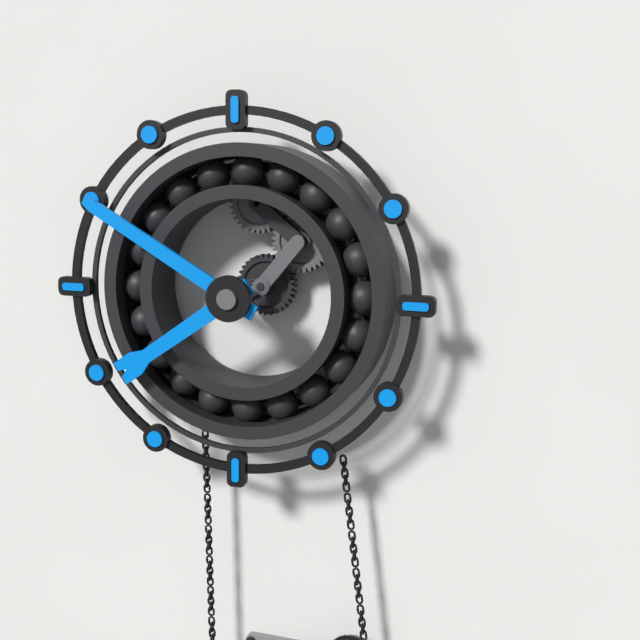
7 h 50 min
